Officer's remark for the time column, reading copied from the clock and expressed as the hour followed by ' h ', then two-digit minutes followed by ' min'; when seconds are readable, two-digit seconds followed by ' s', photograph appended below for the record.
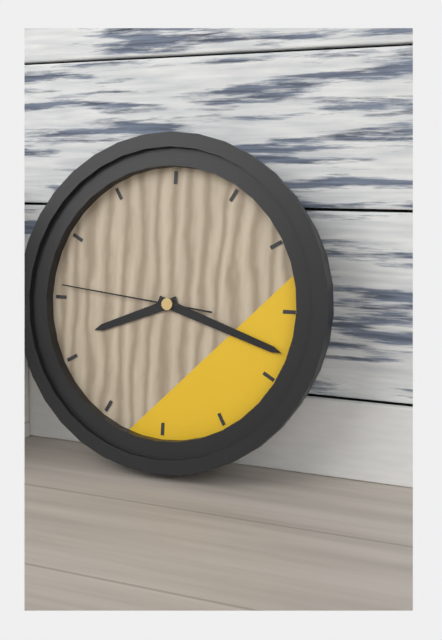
8 h 18 min 46 s
